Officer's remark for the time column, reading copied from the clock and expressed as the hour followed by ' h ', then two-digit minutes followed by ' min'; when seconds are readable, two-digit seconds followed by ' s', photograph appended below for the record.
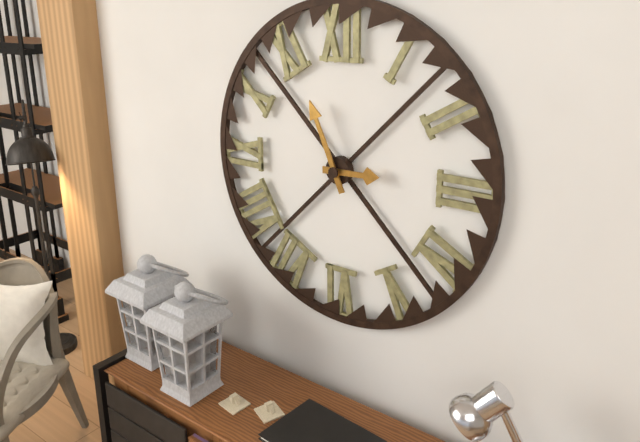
2 h 56 min
